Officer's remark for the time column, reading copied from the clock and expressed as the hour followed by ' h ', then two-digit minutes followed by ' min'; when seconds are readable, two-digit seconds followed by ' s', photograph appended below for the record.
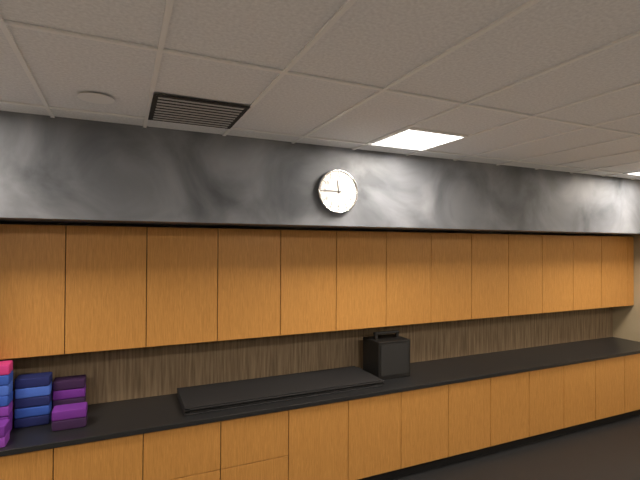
11 h 45 min
